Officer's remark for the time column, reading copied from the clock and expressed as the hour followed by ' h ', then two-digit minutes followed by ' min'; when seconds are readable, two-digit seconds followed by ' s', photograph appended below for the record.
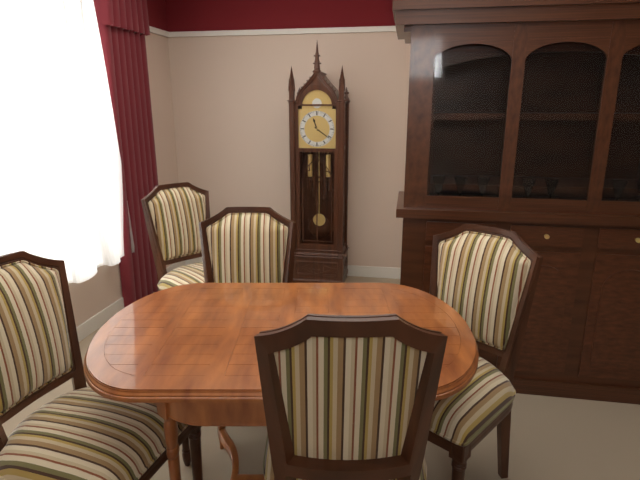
11 h 21 min
